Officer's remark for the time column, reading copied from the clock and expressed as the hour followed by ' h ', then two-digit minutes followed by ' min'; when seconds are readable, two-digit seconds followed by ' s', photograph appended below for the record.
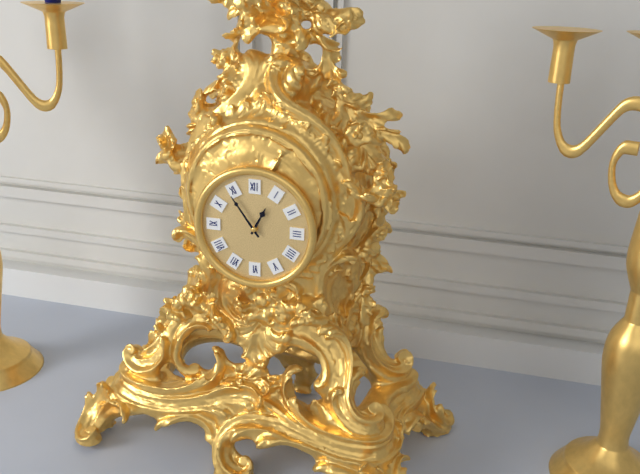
12 h 54 min
